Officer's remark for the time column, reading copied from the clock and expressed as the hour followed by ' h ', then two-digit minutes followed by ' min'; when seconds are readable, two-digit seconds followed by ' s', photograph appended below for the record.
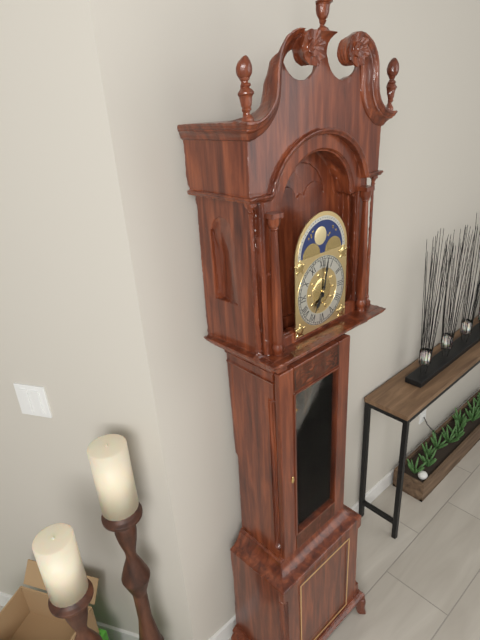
7 h 02 min
